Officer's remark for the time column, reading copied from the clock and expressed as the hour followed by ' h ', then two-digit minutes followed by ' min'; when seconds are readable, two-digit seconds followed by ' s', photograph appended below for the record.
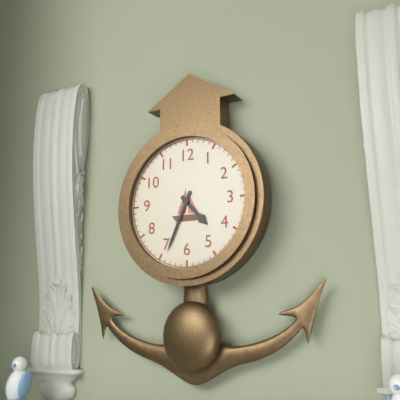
4 h 34 min
